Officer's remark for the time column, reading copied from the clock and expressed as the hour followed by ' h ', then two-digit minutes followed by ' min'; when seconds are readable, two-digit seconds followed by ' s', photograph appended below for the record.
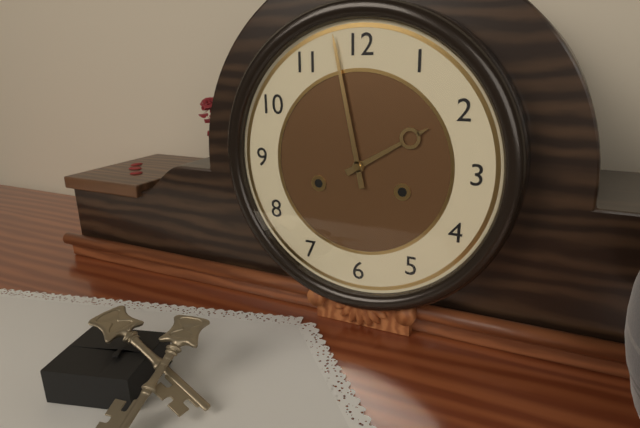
1 h 58 min
